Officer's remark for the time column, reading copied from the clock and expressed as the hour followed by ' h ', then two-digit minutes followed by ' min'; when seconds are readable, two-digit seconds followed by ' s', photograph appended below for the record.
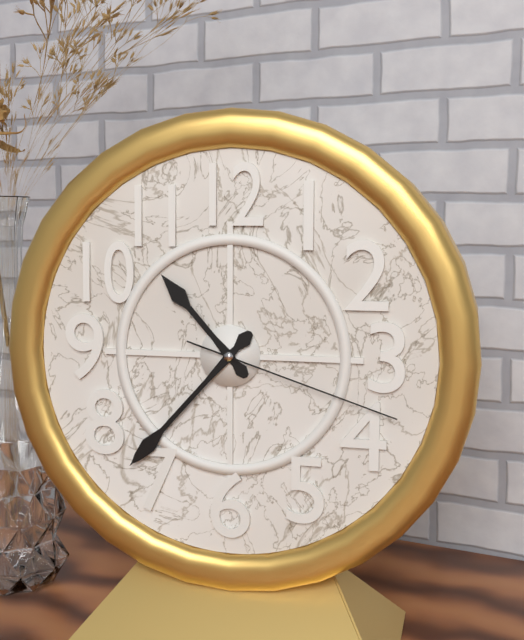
10 h 37 min 18 s
